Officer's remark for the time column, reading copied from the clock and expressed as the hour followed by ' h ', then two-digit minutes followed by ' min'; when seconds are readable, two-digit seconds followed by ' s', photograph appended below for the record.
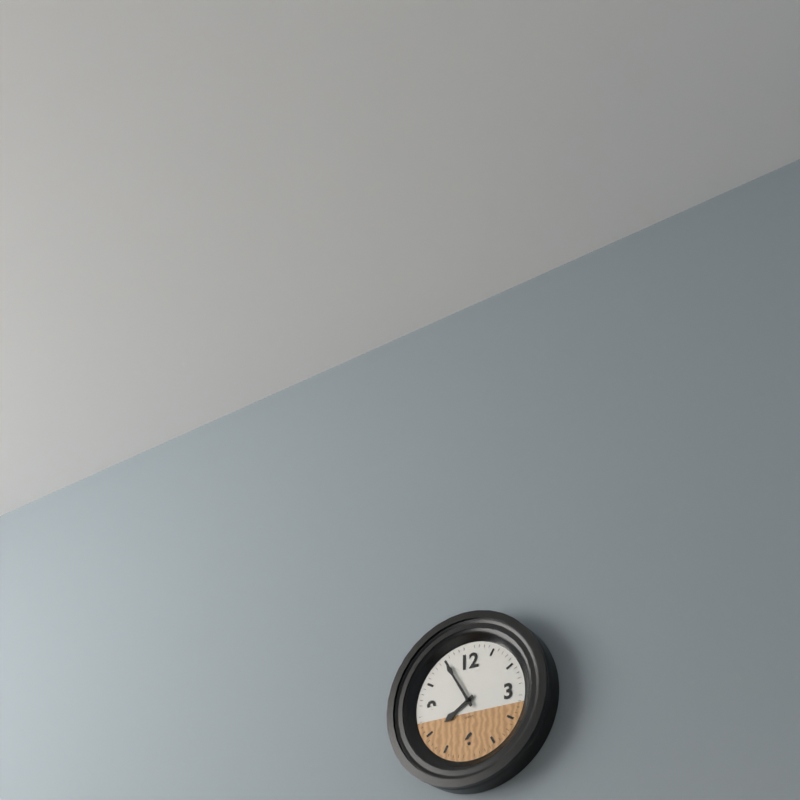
7 h 55 min
